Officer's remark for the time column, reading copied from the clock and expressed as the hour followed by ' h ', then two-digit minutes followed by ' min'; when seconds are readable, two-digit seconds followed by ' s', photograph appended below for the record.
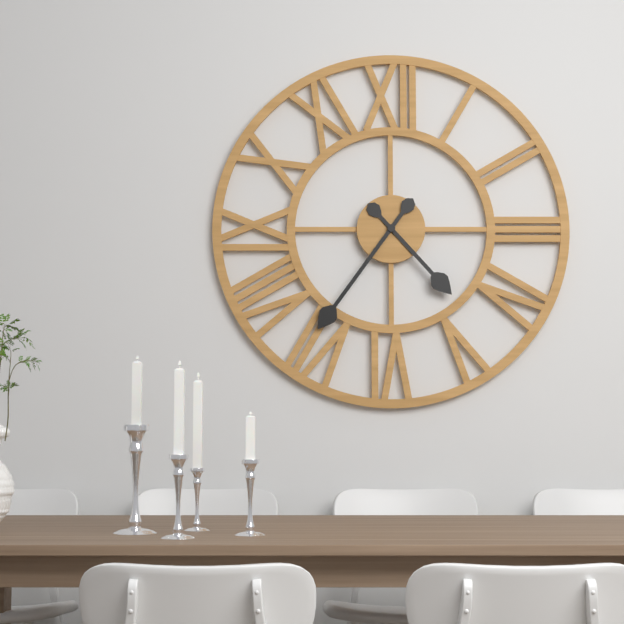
4 h 36 min
